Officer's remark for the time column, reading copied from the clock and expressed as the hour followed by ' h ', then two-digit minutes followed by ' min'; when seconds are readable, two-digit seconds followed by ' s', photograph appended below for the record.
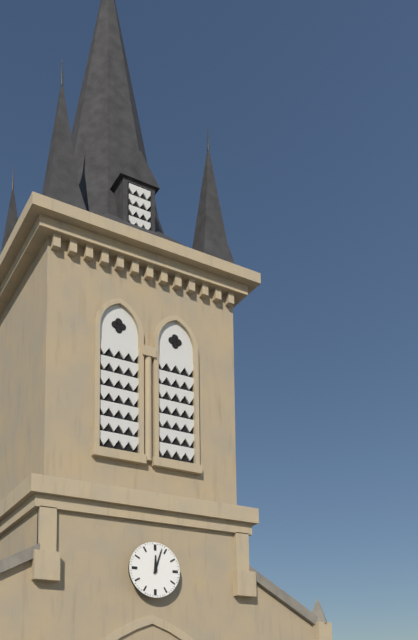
12 h 03 min
